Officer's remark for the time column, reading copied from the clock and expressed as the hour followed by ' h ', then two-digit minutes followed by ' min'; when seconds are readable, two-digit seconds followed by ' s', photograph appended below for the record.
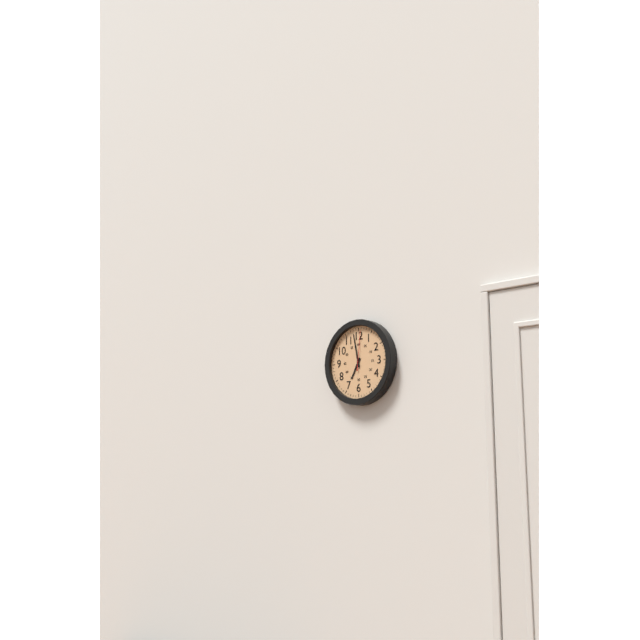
6 h 58 min
